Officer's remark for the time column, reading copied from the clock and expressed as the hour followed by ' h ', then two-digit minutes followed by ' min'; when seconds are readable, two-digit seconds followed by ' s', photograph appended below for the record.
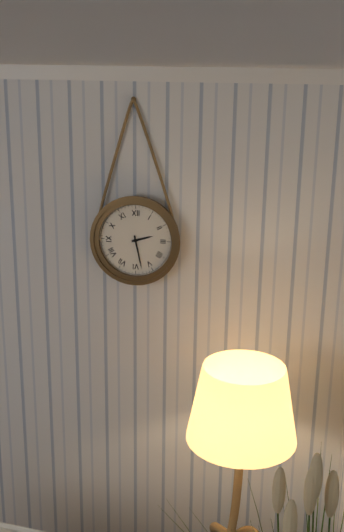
2 h 28 min
